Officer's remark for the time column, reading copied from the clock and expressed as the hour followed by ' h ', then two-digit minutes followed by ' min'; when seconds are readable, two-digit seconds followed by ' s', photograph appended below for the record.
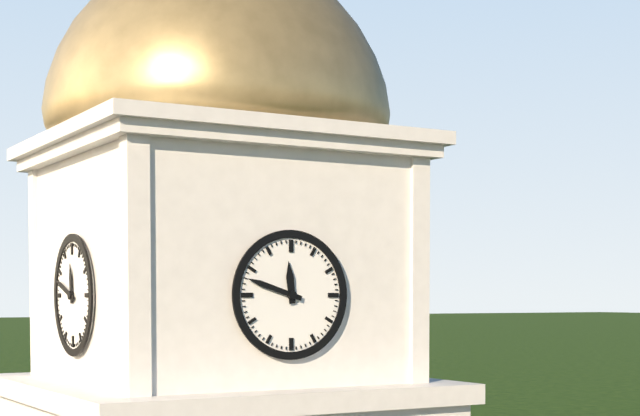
11 h 48 min
